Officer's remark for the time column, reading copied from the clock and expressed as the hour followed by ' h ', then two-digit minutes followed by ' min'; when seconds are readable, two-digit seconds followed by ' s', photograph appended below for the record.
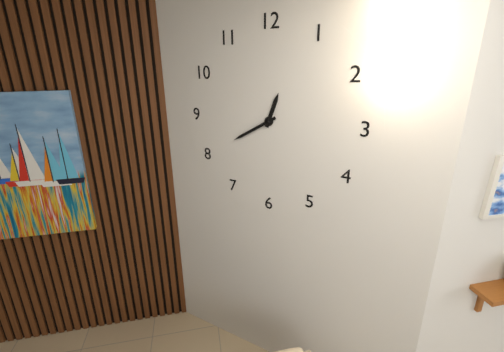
12 h 40 min
